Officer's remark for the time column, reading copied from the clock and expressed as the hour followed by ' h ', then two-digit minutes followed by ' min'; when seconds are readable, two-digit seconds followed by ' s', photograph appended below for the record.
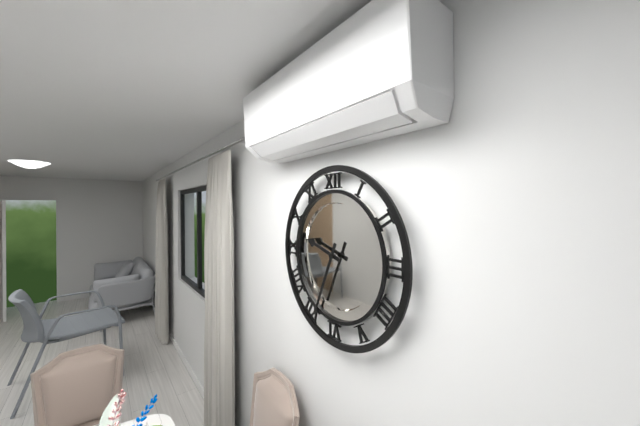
9 h 34 min
